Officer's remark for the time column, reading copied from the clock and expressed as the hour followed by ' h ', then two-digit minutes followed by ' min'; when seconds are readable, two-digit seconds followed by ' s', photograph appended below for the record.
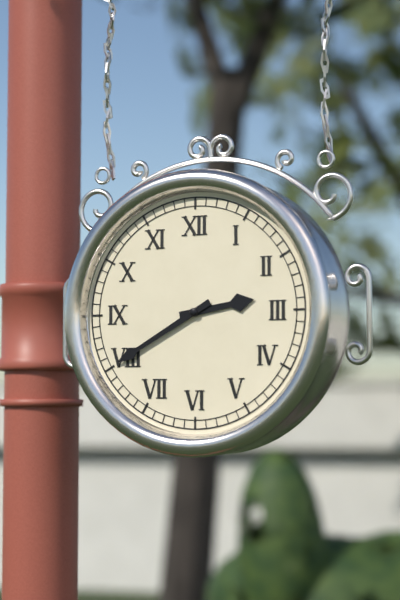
2 h 40 min
